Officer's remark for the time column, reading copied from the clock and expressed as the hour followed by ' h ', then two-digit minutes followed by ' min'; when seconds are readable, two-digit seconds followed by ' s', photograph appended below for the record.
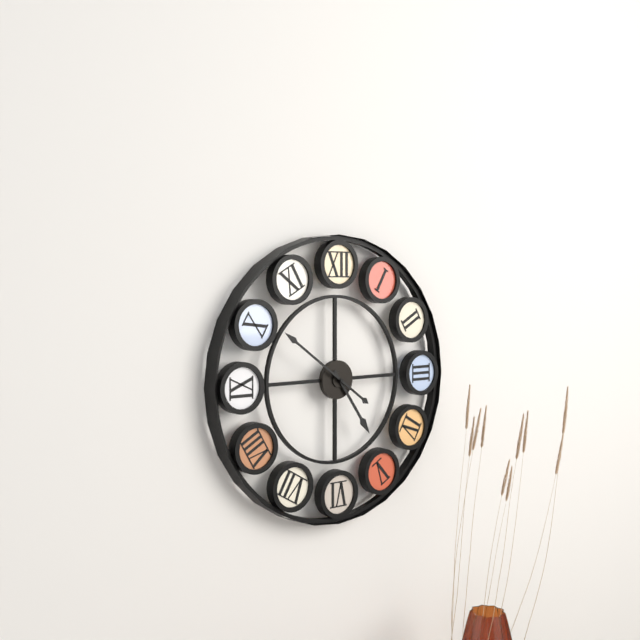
4 h 51 min
